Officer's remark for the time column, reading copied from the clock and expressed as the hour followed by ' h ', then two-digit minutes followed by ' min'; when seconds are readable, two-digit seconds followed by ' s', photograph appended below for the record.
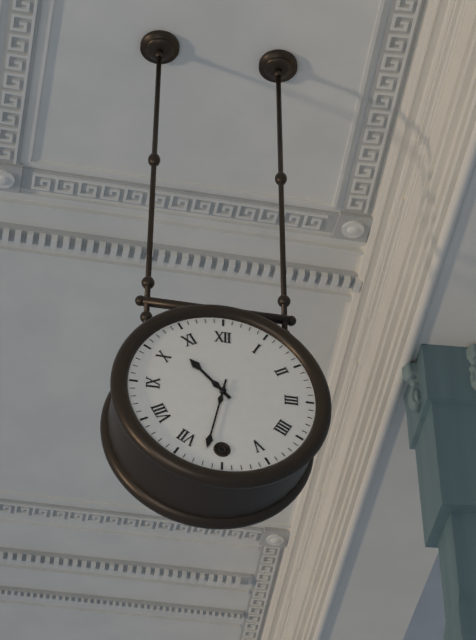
10 h 32 min
